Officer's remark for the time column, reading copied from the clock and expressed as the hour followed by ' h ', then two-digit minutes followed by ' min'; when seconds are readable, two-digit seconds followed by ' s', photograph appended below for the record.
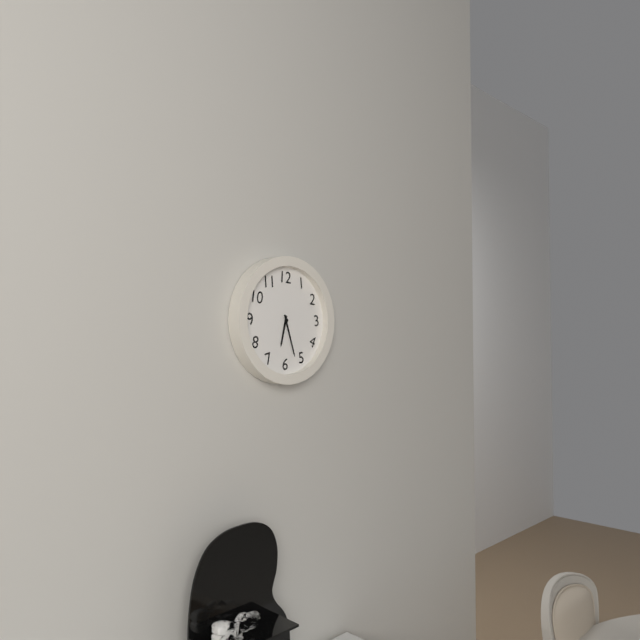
6 h 27 min
